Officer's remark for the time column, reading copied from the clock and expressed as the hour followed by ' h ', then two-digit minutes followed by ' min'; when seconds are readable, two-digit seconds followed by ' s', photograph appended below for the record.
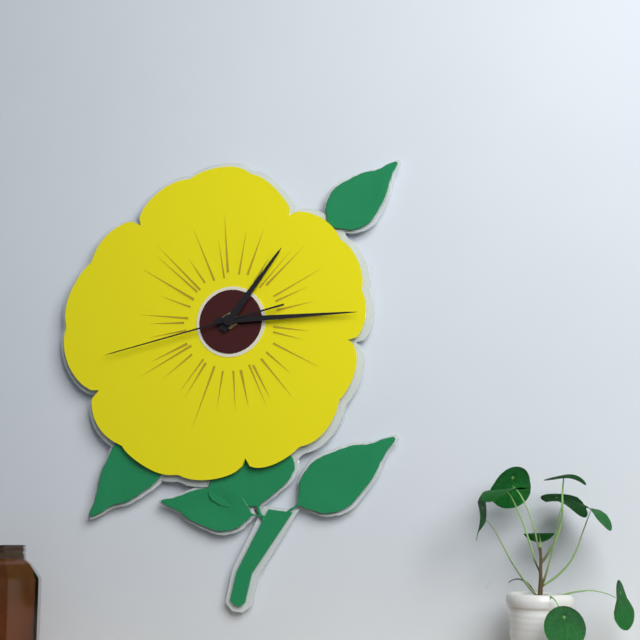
1 h 15 min 43 s
